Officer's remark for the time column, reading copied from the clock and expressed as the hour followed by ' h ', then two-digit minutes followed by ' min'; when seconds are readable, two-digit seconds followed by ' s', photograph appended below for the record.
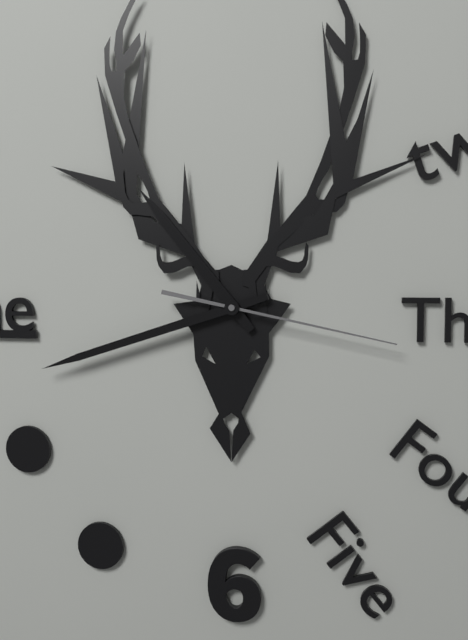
10 h 42 min 17 s
